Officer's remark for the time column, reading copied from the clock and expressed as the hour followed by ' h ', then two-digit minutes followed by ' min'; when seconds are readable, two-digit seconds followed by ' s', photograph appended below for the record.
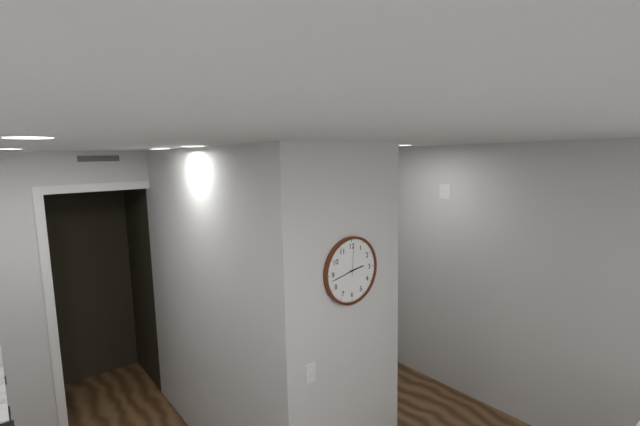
2 h 43 min
